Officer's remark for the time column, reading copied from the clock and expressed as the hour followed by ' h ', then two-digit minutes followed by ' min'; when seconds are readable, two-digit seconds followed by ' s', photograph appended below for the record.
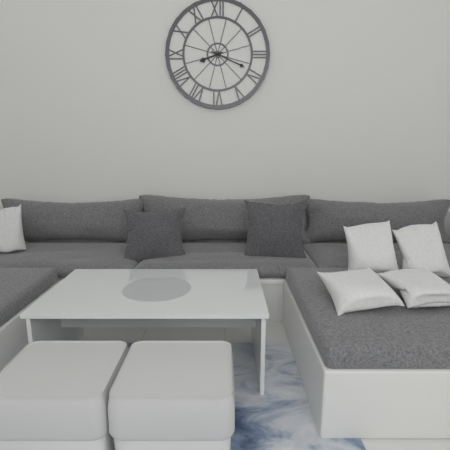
8 h 19 min
